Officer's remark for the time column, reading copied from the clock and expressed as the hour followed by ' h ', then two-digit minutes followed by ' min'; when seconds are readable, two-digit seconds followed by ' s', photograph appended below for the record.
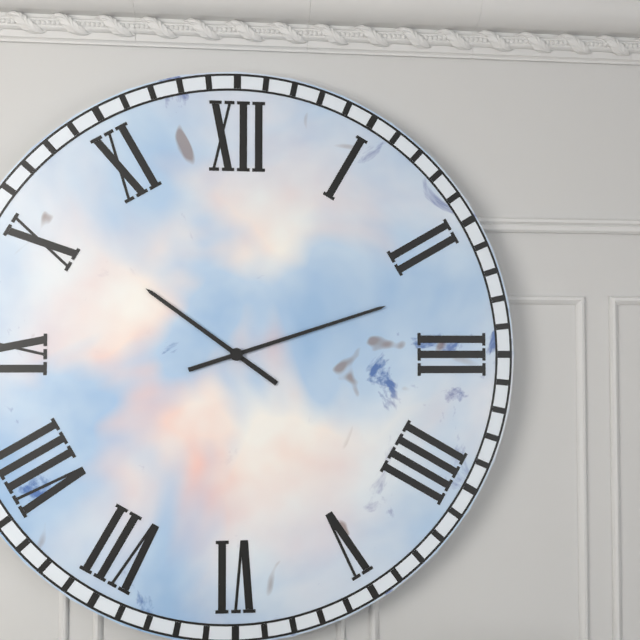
10 h 12 min
